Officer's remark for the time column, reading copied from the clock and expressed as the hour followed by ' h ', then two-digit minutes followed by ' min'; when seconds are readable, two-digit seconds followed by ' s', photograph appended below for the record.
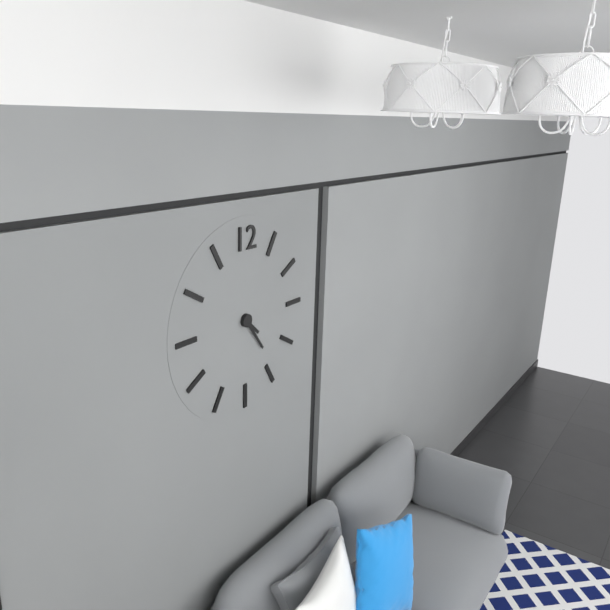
4 h 24 min
